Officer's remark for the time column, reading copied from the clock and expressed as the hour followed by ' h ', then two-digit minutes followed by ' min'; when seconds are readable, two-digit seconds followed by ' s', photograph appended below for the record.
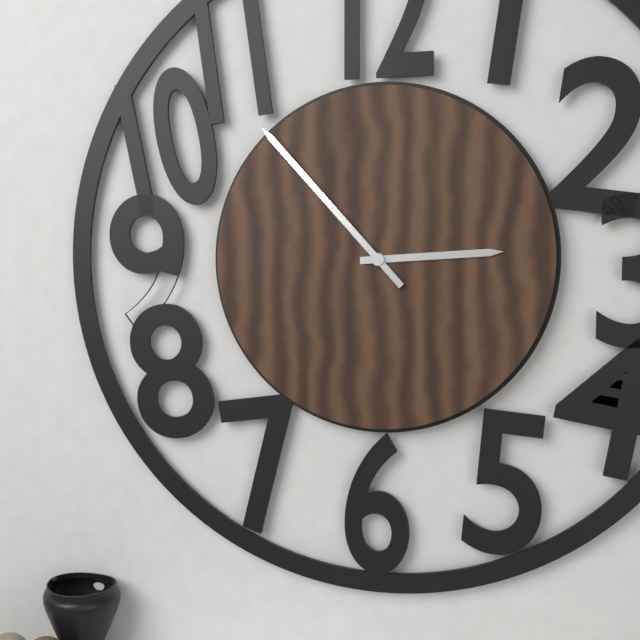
2 h 53 min
